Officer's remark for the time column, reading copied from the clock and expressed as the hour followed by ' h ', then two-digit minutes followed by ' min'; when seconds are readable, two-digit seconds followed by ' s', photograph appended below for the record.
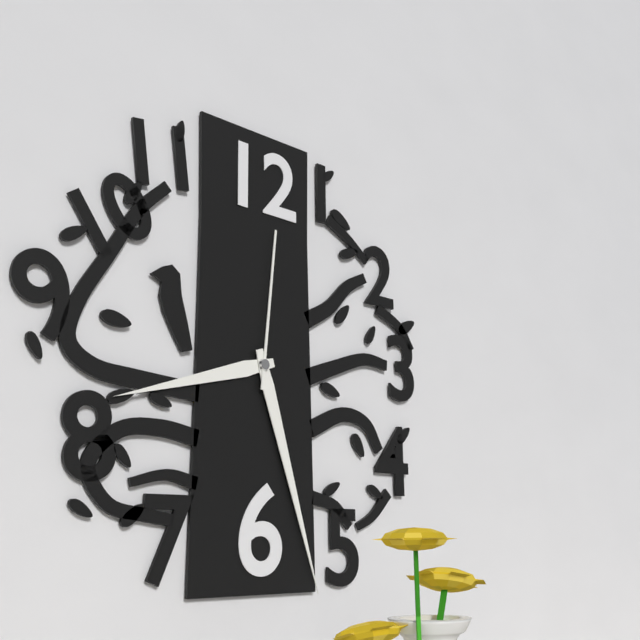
8 h 27 min 01 s
